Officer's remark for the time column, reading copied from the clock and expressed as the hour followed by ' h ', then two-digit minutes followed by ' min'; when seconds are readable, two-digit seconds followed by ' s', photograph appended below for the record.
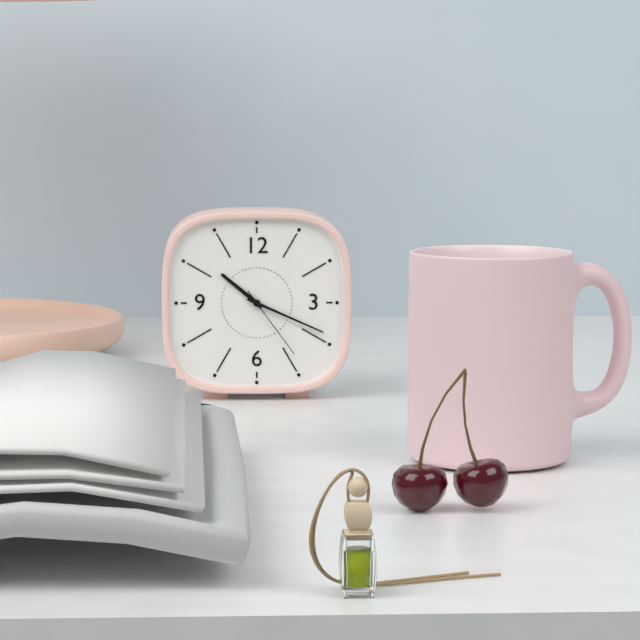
10 h 19 min 24 s
